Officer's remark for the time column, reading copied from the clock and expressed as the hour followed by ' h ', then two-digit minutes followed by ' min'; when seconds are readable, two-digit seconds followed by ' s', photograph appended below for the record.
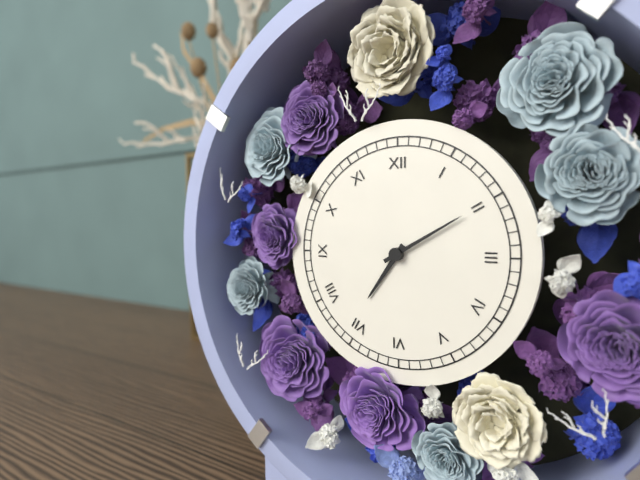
7 h 10 min
